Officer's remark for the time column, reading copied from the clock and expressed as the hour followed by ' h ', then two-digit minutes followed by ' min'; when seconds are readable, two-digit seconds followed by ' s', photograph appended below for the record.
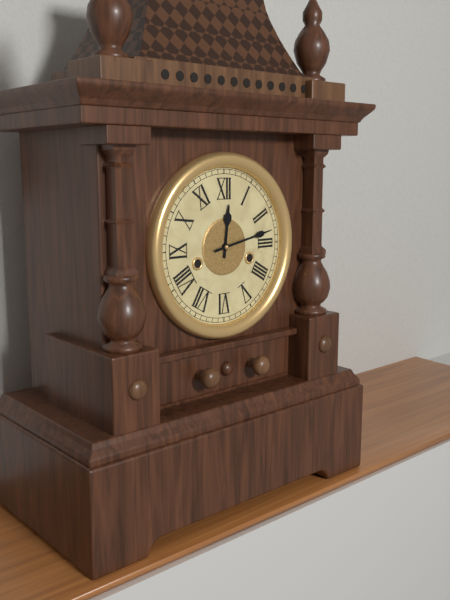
12 h 13 min
